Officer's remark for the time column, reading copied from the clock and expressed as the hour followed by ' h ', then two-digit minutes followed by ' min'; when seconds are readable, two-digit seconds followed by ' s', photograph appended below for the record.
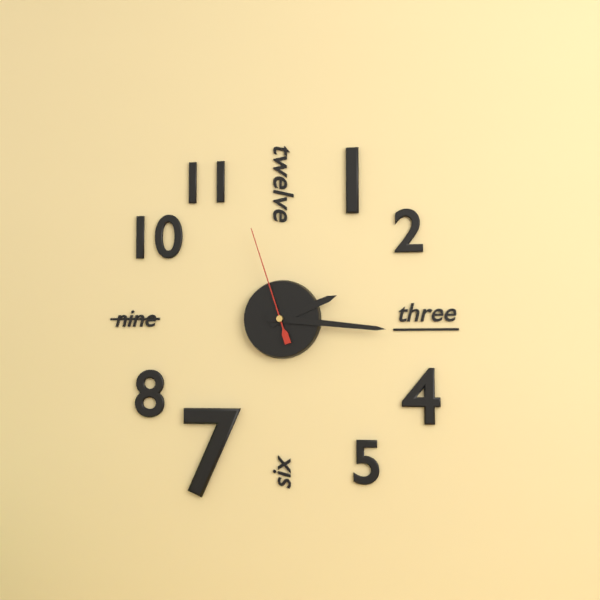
2 h 16 min 57 s
